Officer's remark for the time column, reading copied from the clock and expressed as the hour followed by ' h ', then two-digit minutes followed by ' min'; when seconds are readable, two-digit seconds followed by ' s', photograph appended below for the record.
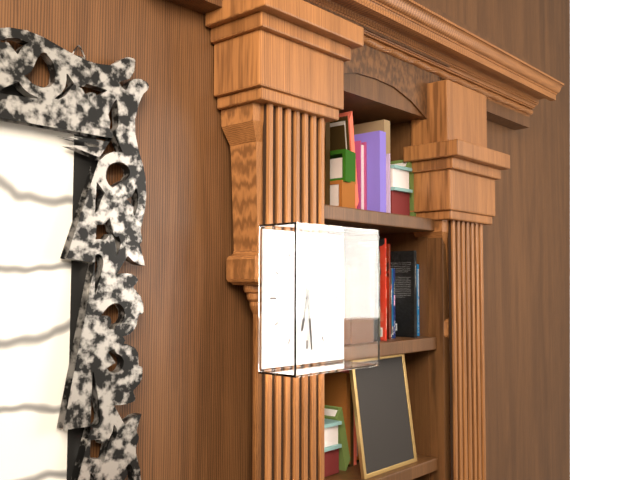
6 h 29 min
